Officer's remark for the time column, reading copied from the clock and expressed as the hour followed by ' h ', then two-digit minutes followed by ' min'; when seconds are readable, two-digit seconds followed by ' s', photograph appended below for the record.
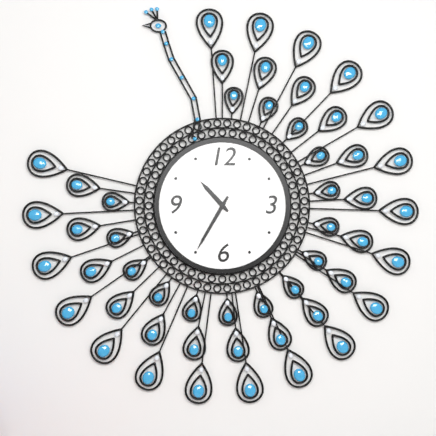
10 h 35 min
